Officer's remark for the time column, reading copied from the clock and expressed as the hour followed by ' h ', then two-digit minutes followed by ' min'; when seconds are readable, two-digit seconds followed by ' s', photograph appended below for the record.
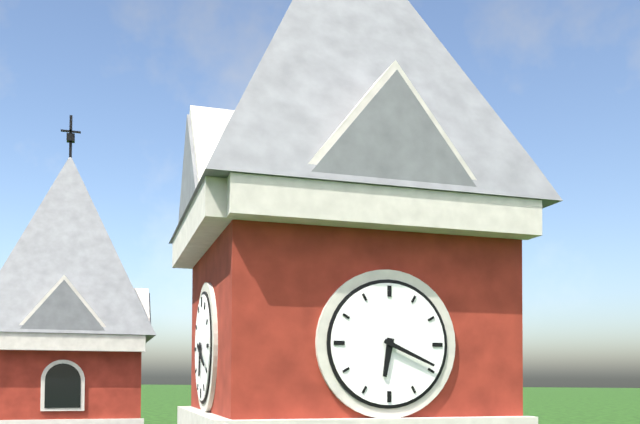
6 h 19 min
